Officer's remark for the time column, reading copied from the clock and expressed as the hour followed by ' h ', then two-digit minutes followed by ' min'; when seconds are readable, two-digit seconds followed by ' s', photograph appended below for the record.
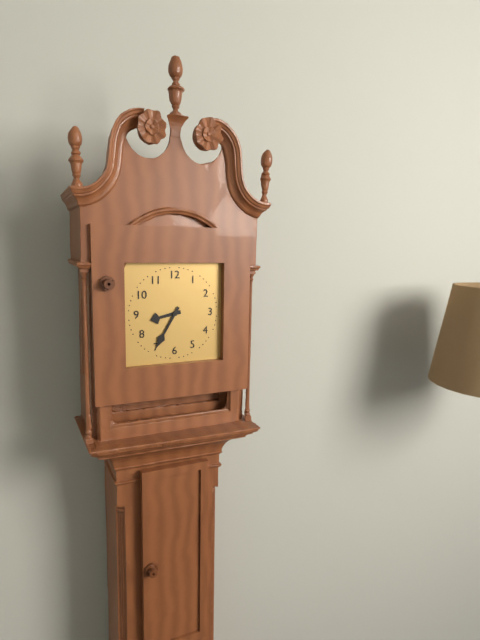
8 h 35 min
